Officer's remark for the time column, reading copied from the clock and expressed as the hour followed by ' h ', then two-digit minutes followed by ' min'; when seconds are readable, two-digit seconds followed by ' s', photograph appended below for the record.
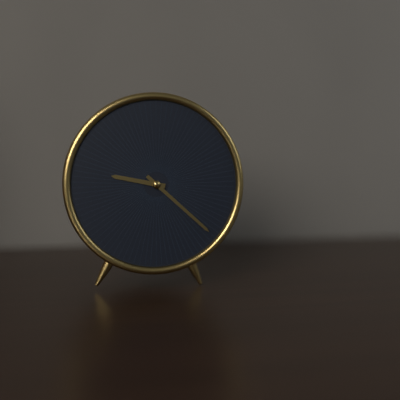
9 h 22 min
